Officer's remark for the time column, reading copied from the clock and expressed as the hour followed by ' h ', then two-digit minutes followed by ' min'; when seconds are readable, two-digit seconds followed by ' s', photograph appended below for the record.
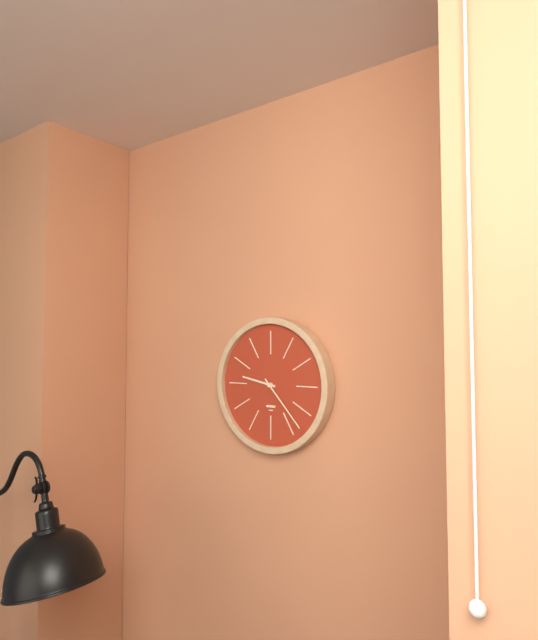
9 h 23 min
